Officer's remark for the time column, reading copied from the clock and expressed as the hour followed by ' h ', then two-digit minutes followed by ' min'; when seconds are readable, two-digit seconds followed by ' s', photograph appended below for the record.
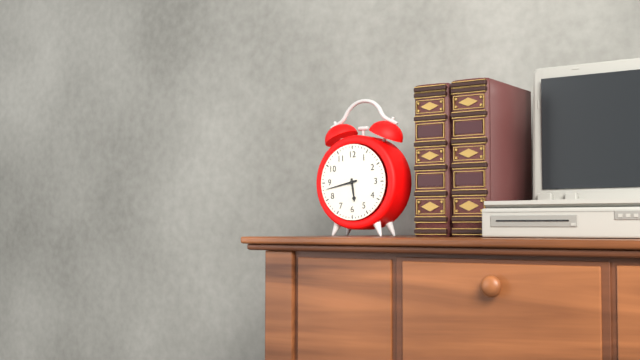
5 h 43 min
